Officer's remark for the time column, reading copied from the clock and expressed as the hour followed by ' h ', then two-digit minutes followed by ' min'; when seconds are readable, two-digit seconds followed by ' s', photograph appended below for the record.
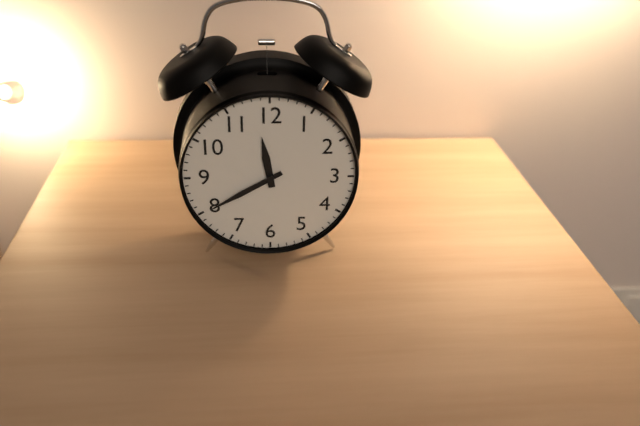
11 h 40 min
